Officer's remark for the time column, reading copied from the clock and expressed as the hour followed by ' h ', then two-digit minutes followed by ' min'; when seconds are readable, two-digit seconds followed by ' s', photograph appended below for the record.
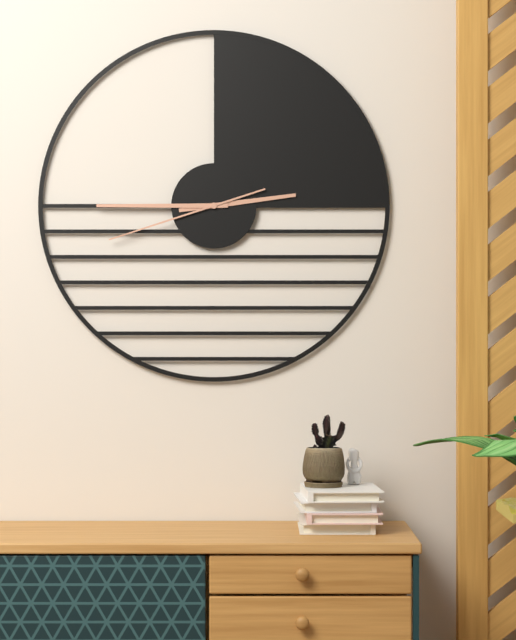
2 h 45 min 42 s
